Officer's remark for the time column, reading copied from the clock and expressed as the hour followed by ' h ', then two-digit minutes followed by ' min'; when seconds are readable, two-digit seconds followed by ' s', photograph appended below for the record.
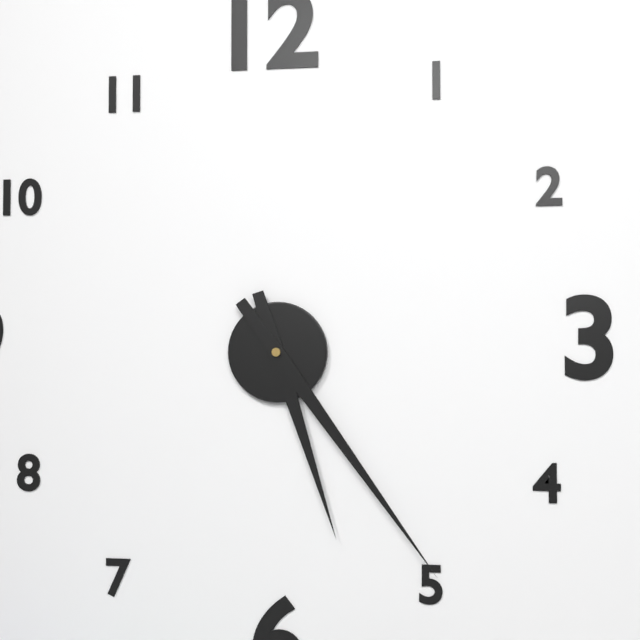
5 h 24 min
